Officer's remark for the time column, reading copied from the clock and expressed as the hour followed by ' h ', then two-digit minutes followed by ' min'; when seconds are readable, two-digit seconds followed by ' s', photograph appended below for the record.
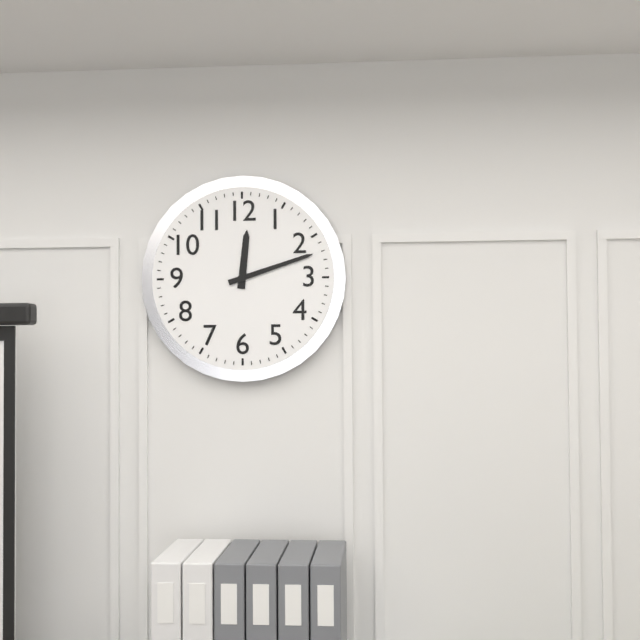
12 h 12 min
